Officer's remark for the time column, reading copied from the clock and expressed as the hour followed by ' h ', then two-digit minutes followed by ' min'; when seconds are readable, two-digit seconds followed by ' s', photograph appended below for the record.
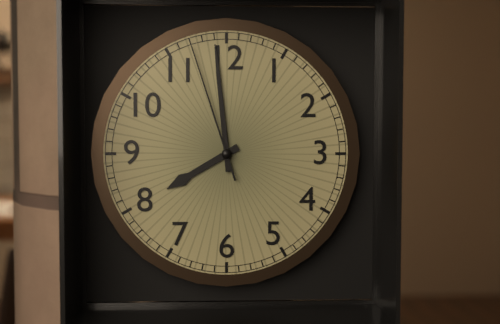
7 h 59 min 57 s
